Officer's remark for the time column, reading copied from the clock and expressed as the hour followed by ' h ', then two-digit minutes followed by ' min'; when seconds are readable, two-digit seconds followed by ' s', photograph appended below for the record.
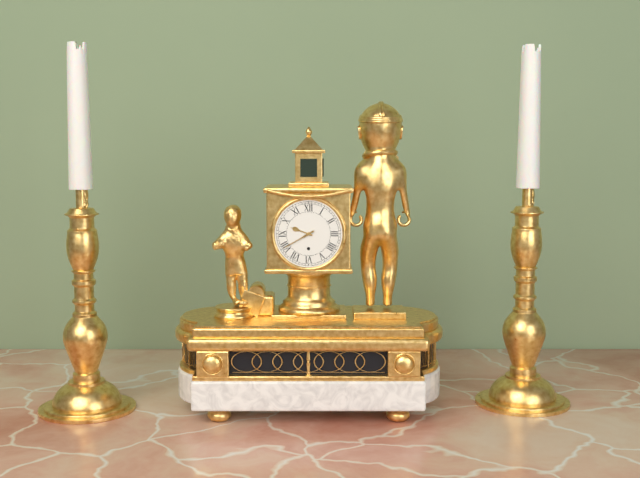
9 h 40 min
